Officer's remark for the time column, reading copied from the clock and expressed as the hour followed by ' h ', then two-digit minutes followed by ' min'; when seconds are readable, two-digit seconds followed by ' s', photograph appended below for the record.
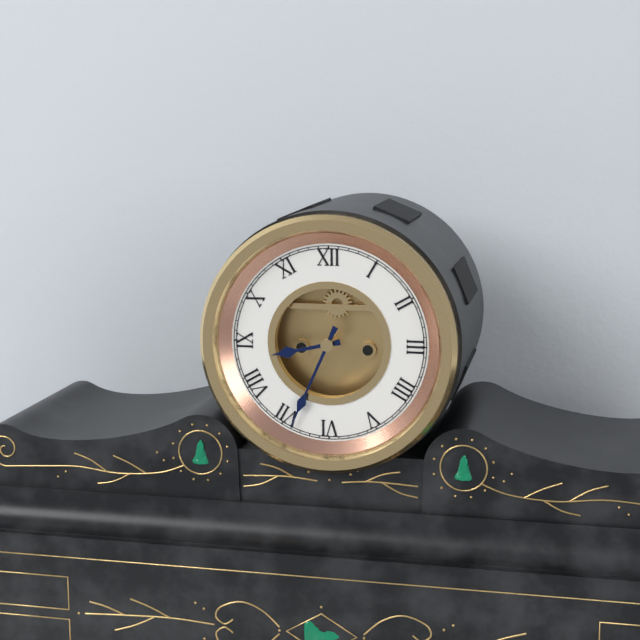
8 h 34 min
